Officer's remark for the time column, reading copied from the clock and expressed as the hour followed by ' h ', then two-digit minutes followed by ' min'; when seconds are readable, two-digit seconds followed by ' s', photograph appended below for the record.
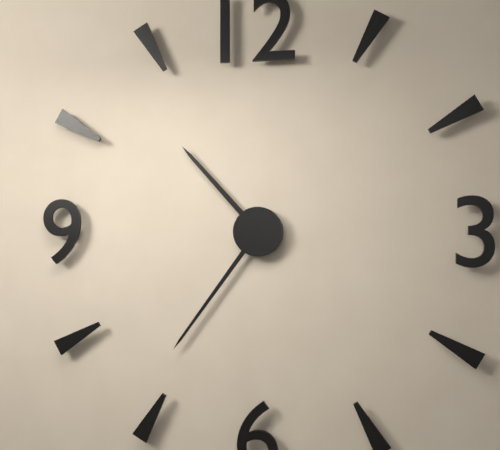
10 h 36 min
